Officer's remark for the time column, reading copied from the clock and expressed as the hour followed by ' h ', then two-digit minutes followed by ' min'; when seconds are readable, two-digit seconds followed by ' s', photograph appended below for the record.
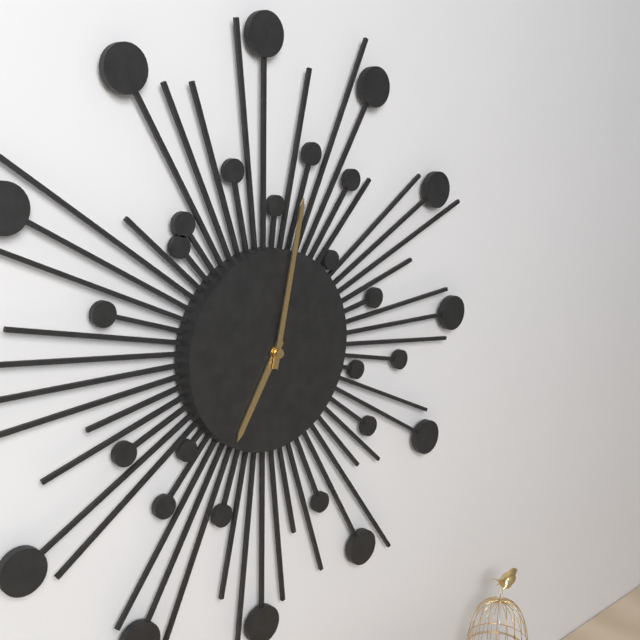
7 h 02 min
